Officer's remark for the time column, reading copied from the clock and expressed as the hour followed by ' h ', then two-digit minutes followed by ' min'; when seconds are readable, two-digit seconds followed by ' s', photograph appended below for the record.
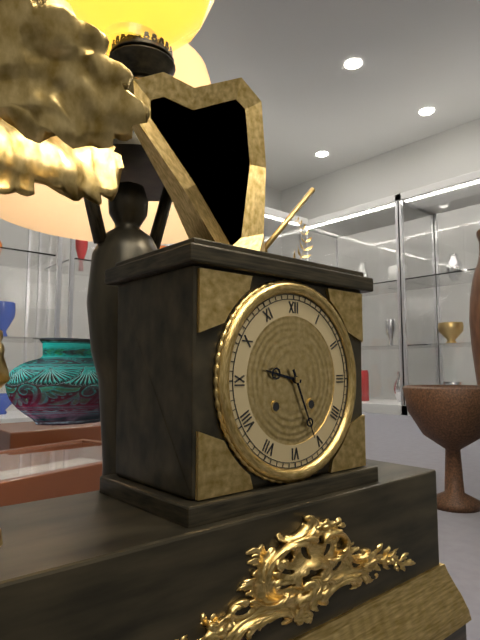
9 h 26 min
